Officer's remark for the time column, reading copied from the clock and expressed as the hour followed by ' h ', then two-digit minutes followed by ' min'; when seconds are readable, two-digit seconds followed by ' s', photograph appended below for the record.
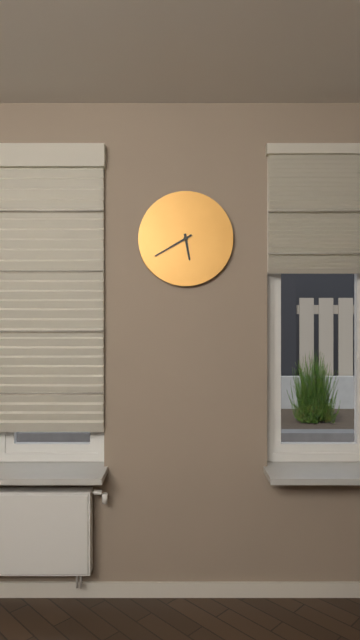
5 h 40 min
